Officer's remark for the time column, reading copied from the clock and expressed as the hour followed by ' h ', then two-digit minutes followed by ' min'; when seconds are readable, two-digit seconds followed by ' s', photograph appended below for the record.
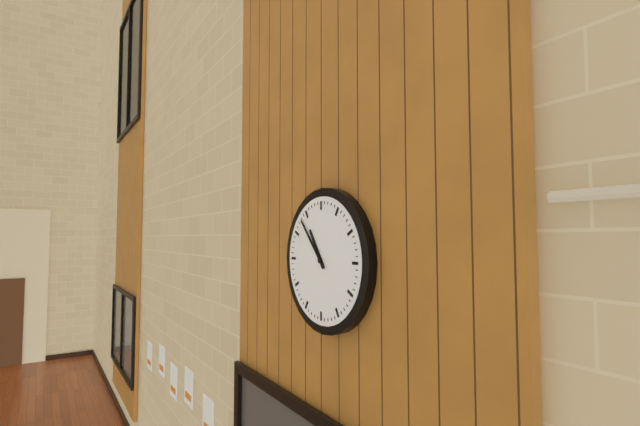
10 h 53 min
